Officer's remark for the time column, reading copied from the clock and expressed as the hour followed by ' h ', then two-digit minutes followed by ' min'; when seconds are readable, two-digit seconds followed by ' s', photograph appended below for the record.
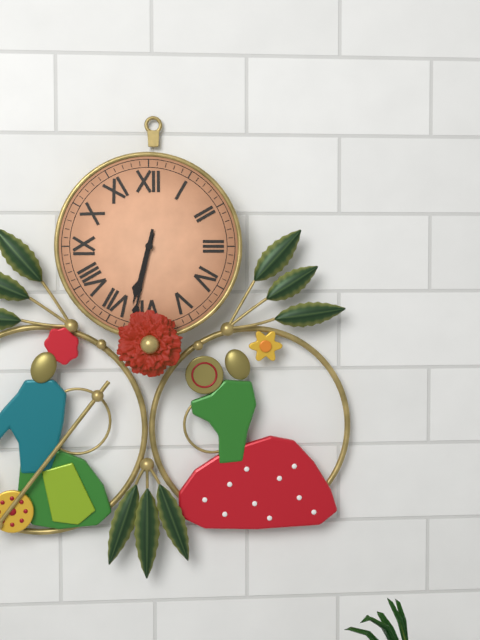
6 h 32 min
